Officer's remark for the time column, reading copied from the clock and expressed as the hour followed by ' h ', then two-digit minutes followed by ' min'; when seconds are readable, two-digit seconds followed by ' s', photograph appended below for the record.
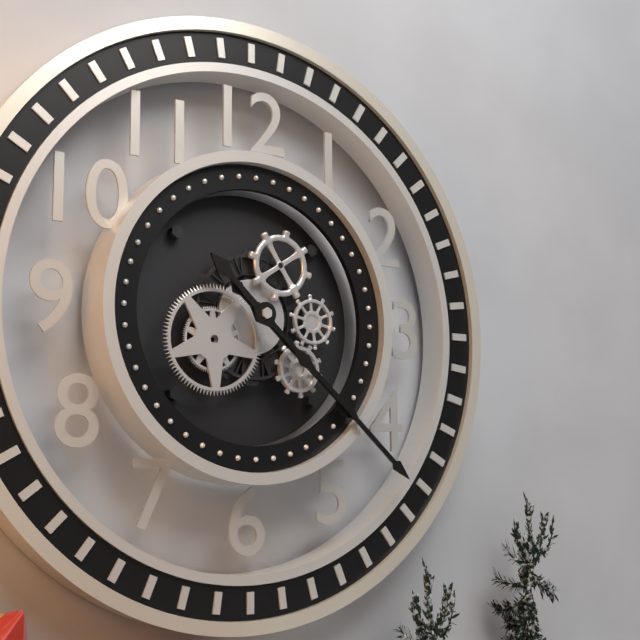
4 h 22 min
